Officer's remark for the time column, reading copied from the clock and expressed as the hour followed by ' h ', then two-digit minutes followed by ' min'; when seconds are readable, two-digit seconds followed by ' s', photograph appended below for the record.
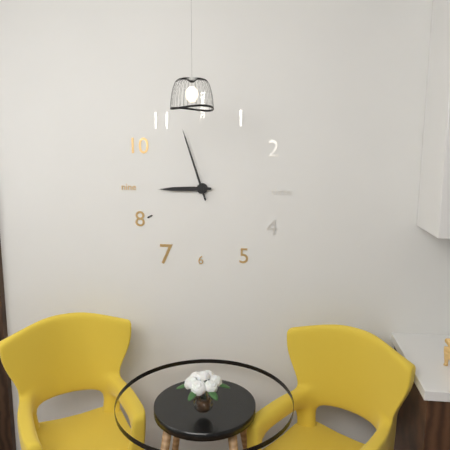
8 h 57 min
